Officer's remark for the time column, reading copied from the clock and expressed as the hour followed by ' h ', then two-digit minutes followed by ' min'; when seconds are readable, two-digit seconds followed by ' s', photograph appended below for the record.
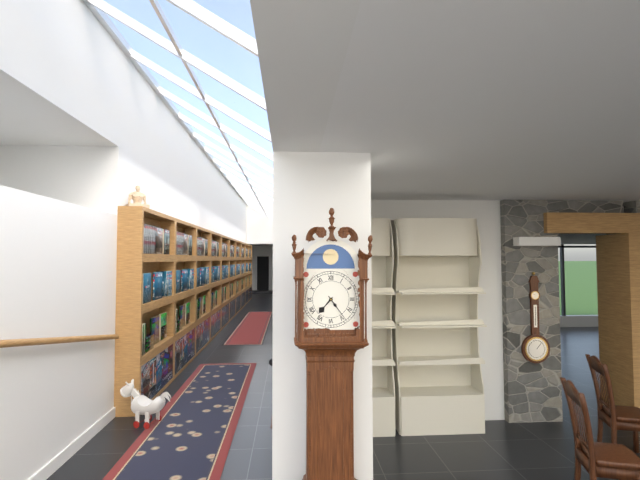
7 h 24 min
